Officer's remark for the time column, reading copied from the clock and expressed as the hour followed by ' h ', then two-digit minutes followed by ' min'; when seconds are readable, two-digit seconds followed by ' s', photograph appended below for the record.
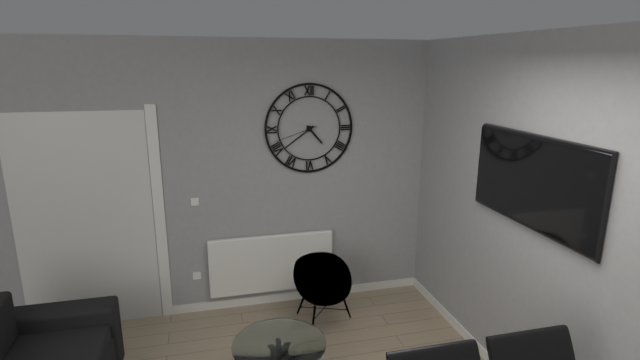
4 h 39 min
